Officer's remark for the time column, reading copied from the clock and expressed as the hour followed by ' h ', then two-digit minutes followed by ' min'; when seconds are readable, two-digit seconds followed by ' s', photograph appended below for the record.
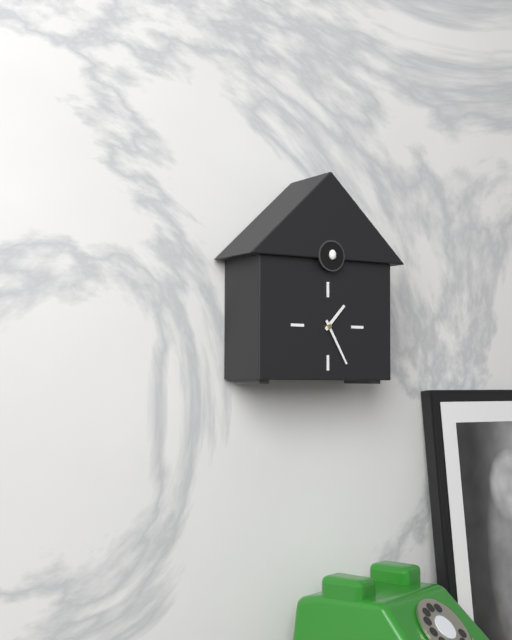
1 h 25 min
